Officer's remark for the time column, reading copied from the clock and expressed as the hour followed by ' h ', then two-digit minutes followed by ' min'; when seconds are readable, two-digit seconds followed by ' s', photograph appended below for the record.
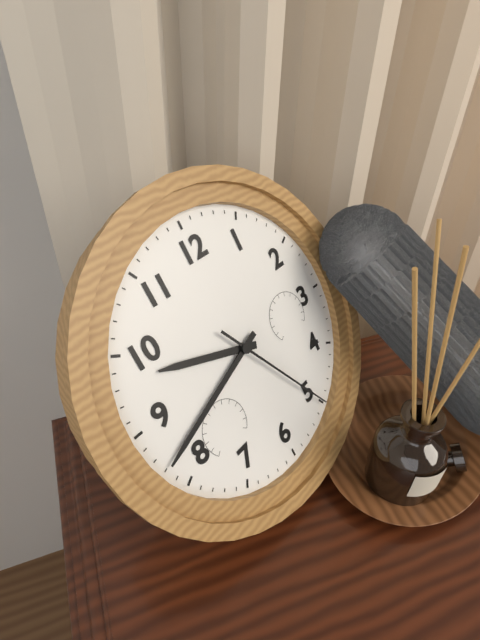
9 h 42 min 25 s
